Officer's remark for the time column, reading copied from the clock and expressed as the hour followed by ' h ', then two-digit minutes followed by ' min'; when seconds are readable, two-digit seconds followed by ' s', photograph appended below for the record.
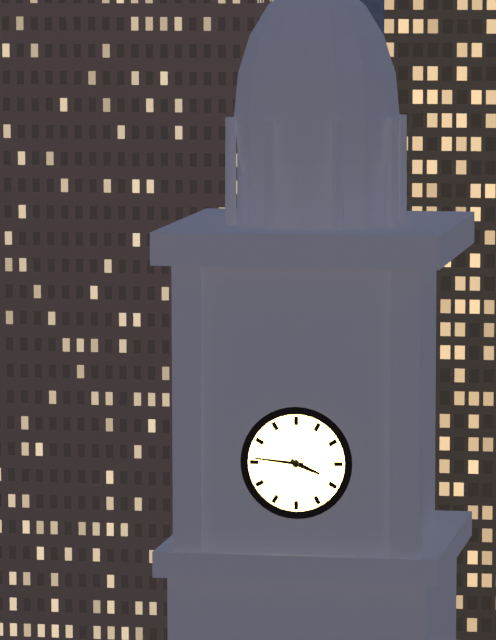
3 h 46 min
